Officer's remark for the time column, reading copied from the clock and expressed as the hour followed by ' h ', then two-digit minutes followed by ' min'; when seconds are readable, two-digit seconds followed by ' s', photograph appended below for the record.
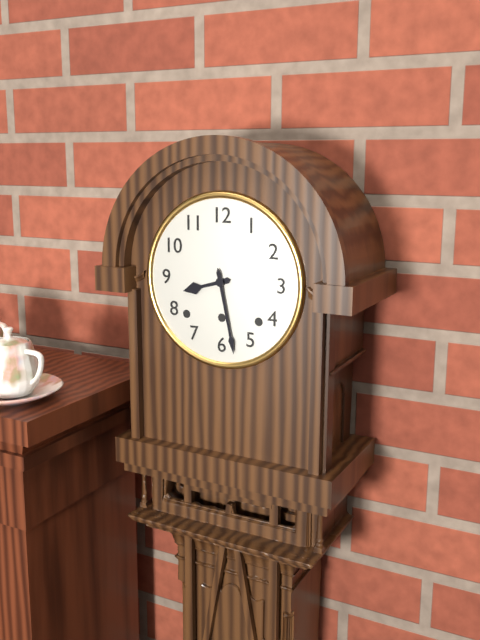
8 h 28 min
